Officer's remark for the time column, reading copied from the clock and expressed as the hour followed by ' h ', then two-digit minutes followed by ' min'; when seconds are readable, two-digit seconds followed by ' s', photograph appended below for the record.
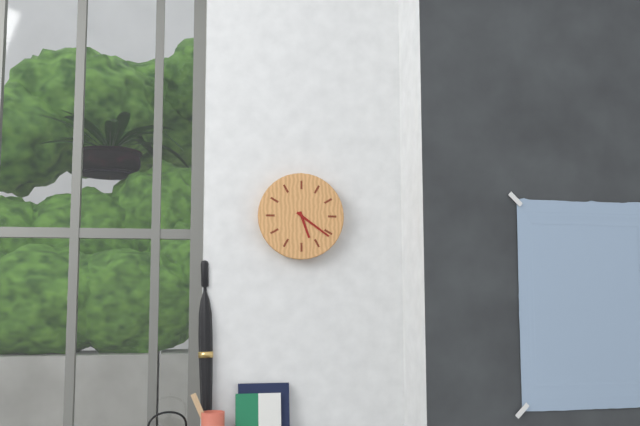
5 h 21 min
